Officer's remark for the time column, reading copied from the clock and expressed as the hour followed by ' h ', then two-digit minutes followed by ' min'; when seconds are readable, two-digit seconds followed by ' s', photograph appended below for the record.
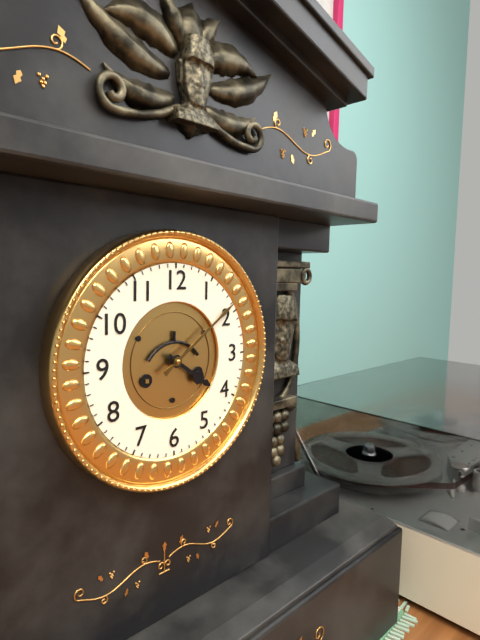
4 h 09 min
